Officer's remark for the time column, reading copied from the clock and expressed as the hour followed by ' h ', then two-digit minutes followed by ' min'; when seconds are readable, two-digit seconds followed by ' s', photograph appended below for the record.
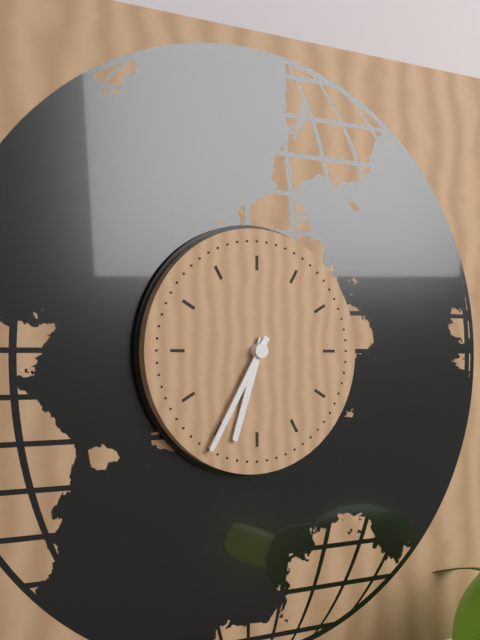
6 h 35 min
